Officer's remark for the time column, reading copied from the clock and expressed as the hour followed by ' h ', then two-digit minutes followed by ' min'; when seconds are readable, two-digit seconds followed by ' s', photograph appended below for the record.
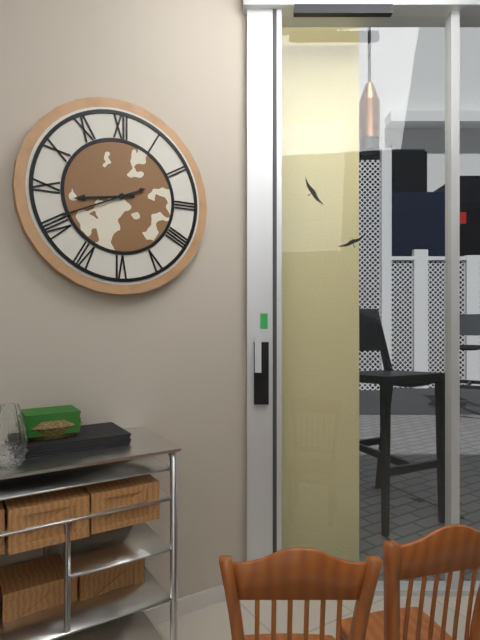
8 h 41 min
